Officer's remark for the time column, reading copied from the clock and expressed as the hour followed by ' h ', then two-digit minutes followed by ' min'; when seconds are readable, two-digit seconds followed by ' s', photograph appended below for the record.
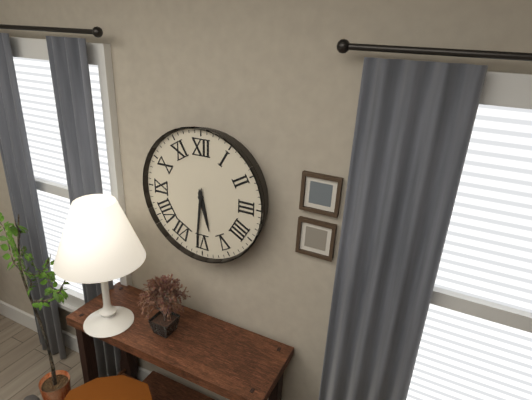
5 h 31 min
